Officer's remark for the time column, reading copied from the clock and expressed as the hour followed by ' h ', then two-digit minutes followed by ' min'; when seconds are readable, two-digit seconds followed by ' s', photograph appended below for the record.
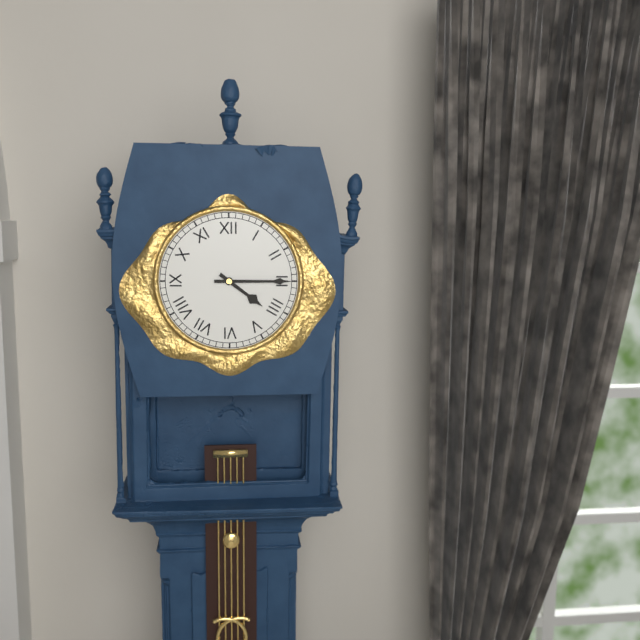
4 h 15 min
